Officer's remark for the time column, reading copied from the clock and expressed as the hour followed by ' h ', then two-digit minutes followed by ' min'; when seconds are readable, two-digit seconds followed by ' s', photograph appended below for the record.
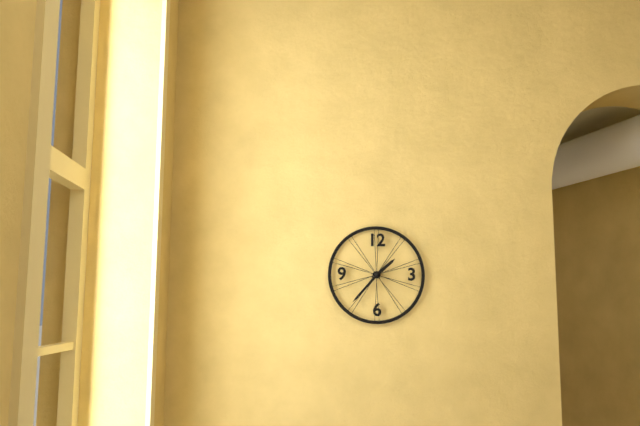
1 h 37 min
